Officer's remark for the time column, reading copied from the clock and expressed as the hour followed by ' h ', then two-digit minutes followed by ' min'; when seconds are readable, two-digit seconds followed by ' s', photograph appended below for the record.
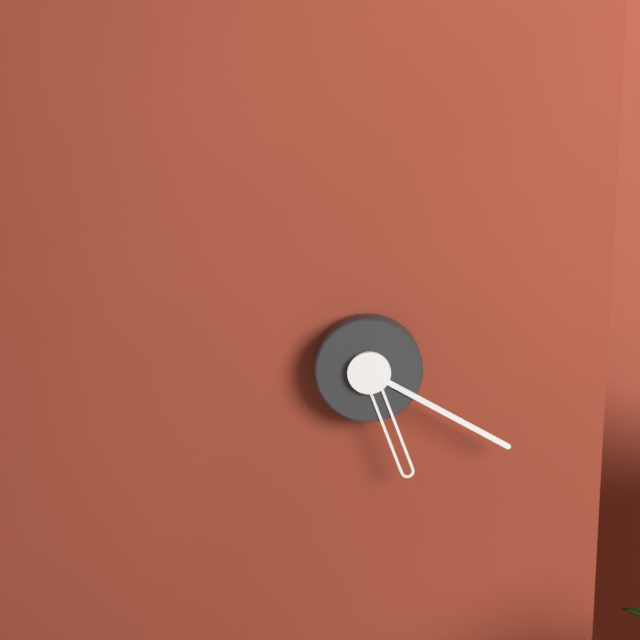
5 h 20 min
